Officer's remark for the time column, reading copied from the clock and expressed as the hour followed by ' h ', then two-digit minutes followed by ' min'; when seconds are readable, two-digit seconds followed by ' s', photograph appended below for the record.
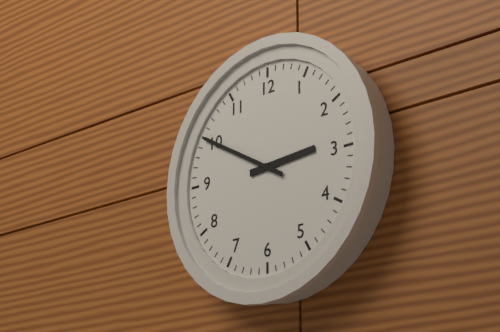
2 h 50 min
